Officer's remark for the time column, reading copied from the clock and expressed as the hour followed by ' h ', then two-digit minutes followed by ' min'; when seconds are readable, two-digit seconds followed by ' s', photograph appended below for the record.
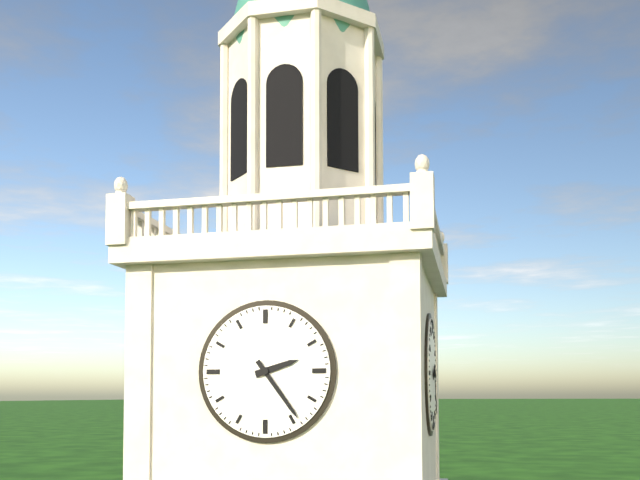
2 h 24 min
